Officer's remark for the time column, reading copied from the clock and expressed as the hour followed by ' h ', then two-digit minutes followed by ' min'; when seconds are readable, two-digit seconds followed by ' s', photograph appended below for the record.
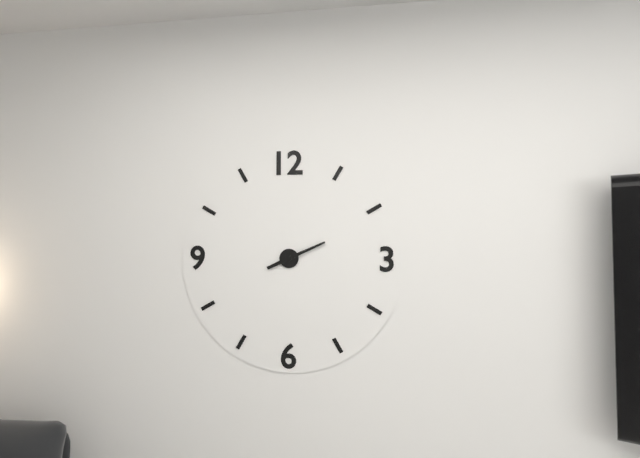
8 h 11 min
